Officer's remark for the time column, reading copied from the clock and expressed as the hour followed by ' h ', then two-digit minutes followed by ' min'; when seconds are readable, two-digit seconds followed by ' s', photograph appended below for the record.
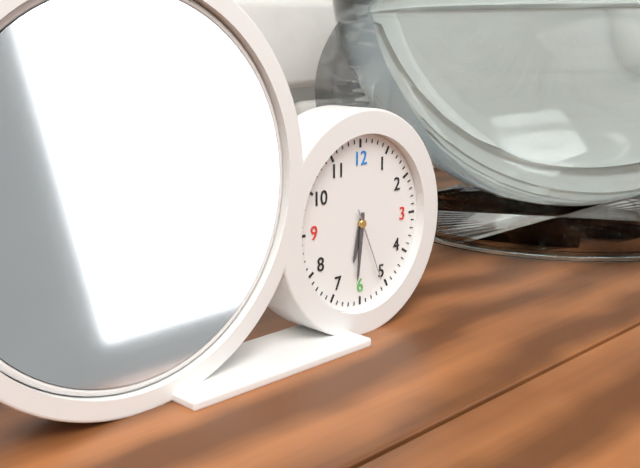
6 h 31 min 26 s
